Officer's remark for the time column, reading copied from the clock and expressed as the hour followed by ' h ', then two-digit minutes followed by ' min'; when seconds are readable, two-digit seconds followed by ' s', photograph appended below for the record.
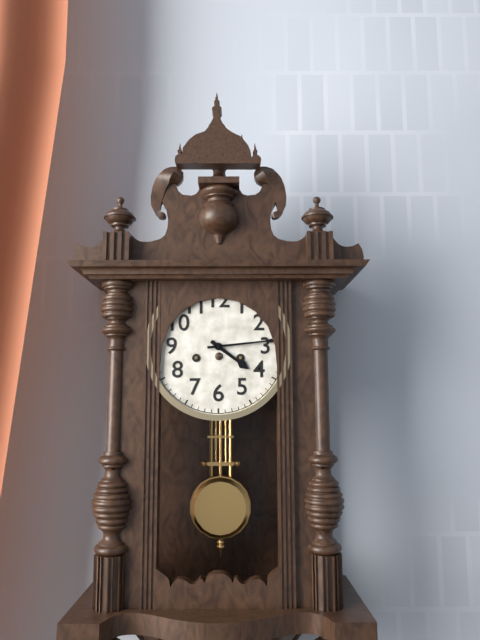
4 h 14 min
